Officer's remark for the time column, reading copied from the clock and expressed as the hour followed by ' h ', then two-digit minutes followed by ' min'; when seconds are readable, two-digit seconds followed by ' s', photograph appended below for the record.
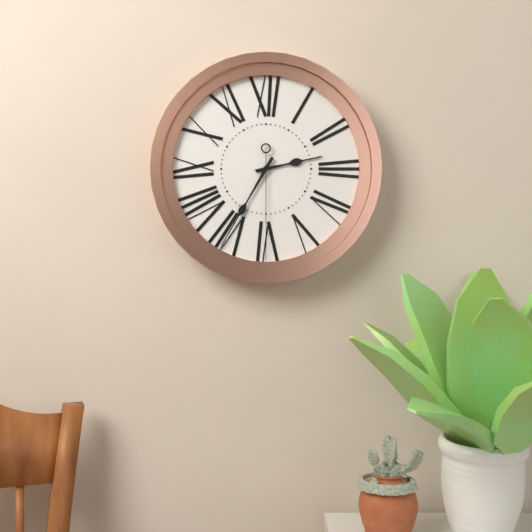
2 h 35 min 30 s
